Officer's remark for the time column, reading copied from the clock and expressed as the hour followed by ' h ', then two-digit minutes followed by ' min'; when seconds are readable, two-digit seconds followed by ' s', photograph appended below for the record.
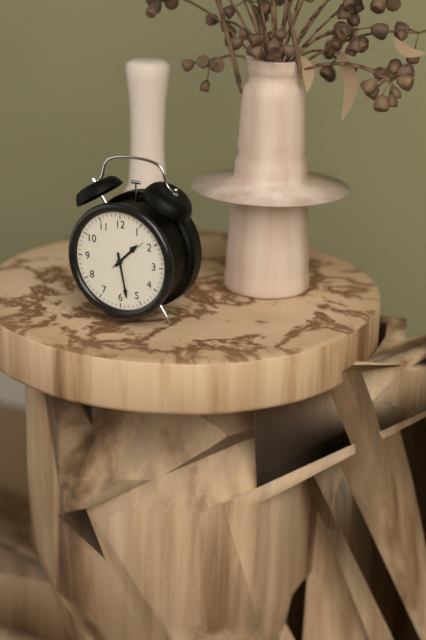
1 h 28 min
